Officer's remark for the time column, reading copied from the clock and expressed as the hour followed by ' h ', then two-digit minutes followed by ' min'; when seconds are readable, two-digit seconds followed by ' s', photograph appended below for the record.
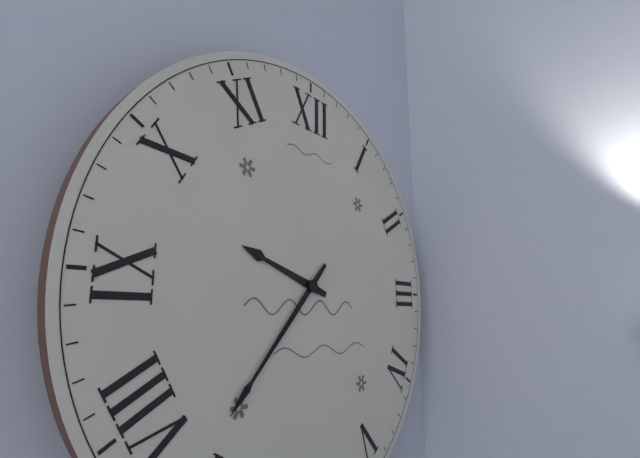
9 h 37 min
